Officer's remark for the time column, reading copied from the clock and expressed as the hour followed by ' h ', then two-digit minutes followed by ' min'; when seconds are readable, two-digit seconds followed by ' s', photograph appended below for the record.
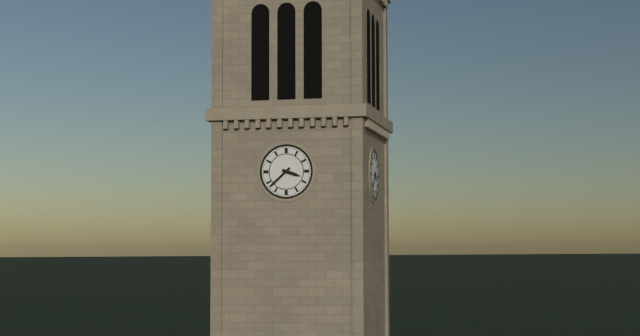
3 h 38 min
